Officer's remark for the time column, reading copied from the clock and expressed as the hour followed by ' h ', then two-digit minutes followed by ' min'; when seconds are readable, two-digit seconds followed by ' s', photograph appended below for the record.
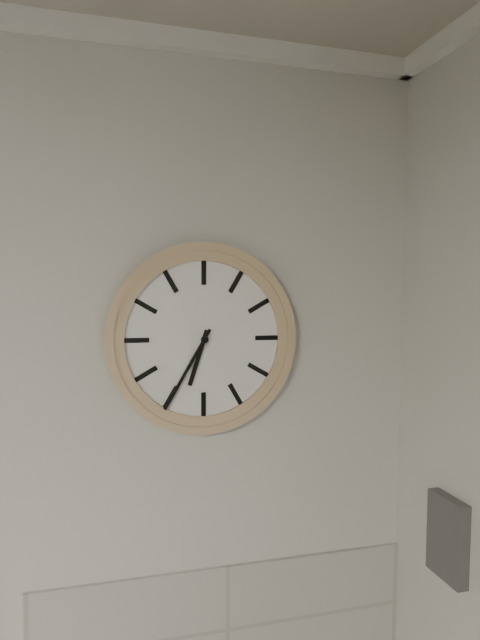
6 h 35 min
